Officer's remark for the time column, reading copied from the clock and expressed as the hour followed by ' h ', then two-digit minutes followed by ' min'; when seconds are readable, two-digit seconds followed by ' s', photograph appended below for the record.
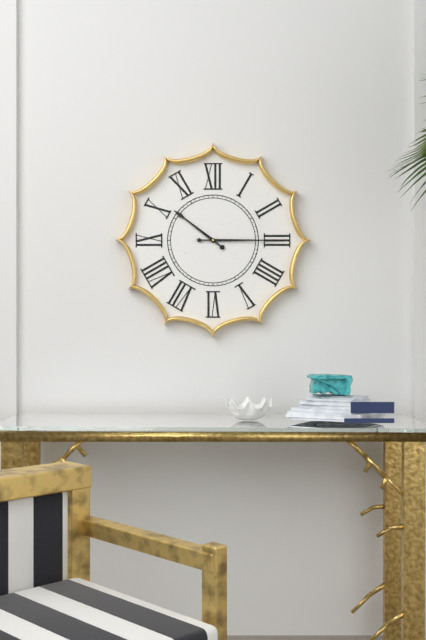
10 h 15 min
